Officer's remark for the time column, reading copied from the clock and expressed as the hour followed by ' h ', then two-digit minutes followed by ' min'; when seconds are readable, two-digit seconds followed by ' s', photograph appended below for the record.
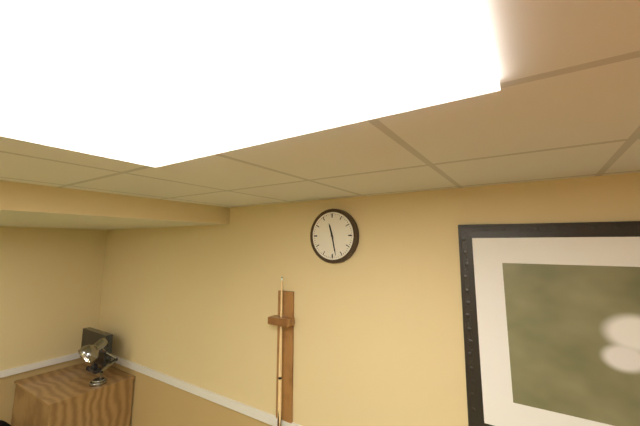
11 h 28 min
